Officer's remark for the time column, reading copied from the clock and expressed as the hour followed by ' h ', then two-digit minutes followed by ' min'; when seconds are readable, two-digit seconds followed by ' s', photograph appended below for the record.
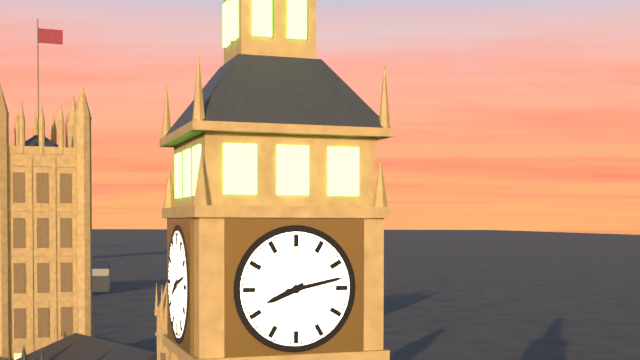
8 h 13 min
